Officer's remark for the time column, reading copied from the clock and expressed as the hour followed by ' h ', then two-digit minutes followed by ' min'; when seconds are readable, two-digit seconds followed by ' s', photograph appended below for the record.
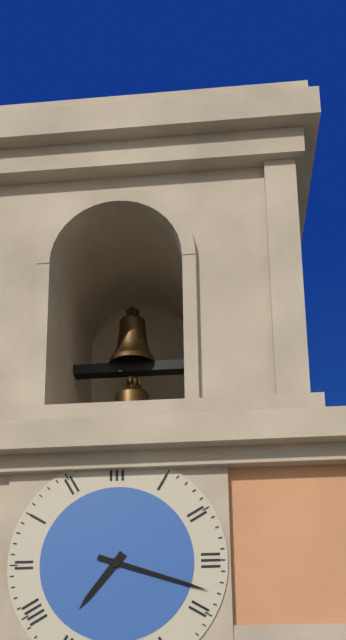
7 h 18 min
